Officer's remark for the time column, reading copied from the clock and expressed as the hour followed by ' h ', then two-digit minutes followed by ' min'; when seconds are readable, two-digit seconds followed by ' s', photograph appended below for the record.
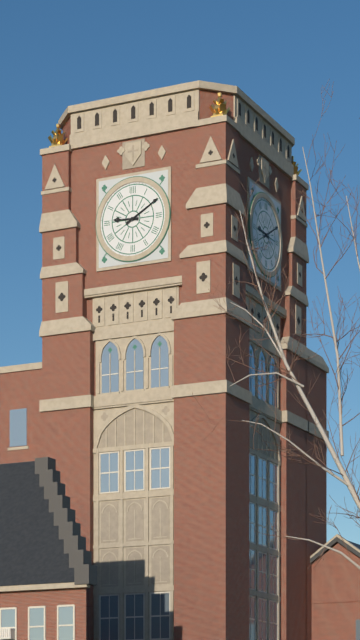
9 h 10 min
